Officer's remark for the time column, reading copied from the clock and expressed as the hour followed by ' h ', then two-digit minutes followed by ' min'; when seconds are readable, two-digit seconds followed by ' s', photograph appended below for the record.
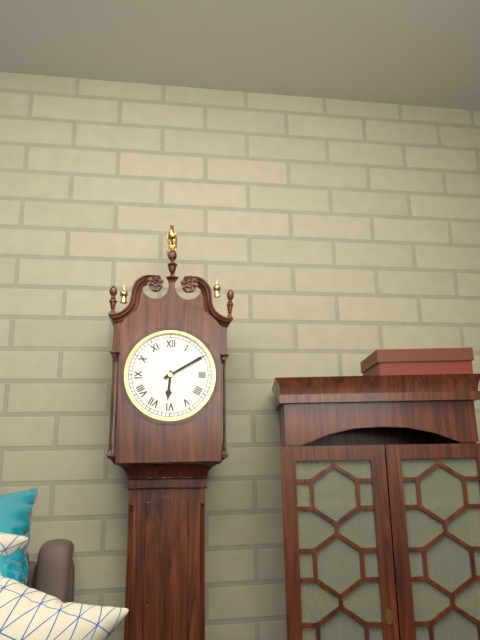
6 h 10 min
